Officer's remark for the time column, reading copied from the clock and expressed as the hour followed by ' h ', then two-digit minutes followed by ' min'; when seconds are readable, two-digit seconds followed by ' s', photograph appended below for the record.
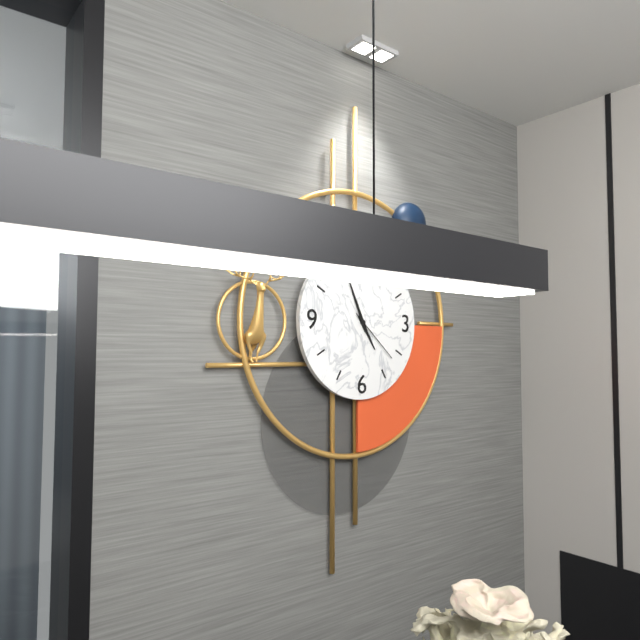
4 h 56 min 22 s
